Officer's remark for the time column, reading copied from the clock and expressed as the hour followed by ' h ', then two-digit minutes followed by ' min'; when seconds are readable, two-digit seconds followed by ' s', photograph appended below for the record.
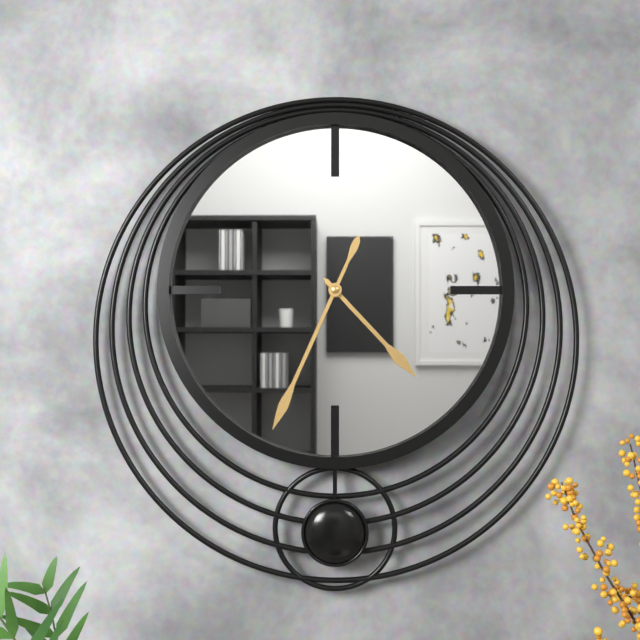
4 h 34 min
